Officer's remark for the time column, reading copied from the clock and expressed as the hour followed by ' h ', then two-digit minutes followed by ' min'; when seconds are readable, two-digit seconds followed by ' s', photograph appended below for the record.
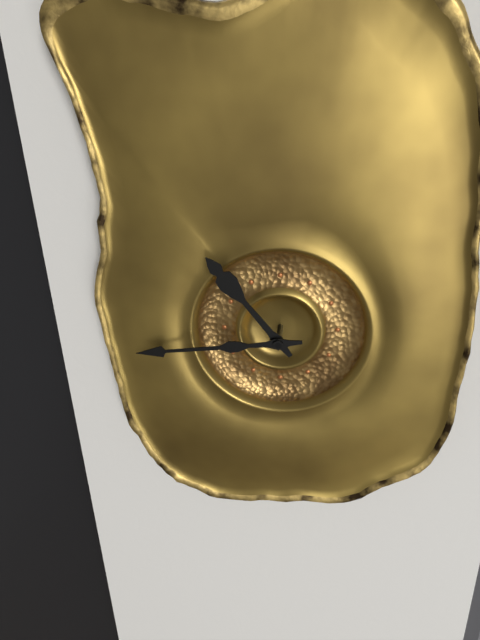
10 h 44 min
